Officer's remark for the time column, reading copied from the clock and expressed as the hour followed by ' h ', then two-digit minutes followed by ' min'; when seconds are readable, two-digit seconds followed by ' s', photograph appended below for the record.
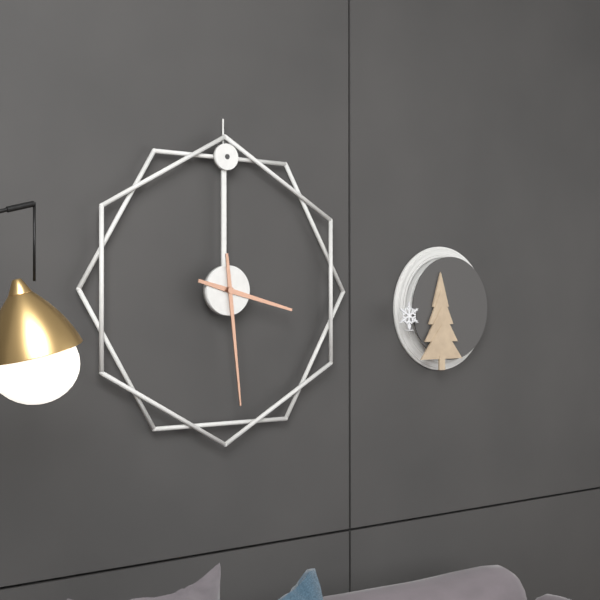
3 h 29 min
